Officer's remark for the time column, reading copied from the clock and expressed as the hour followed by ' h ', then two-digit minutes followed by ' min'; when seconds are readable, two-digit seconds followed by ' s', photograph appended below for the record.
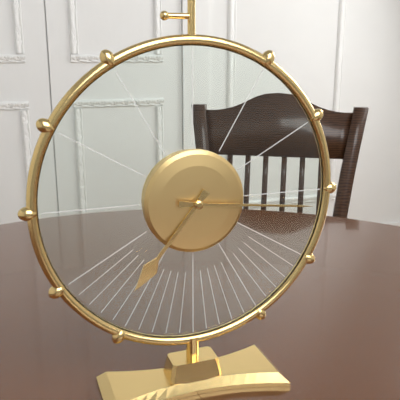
7 h 16 min
